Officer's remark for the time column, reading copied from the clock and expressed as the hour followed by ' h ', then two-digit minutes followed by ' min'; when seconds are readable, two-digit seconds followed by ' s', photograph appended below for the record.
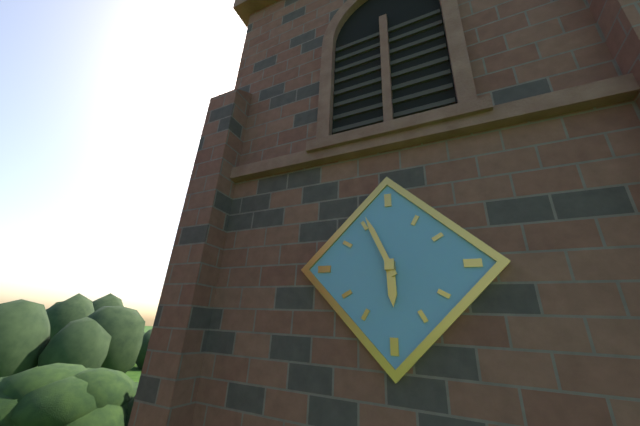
5 h 56 min
